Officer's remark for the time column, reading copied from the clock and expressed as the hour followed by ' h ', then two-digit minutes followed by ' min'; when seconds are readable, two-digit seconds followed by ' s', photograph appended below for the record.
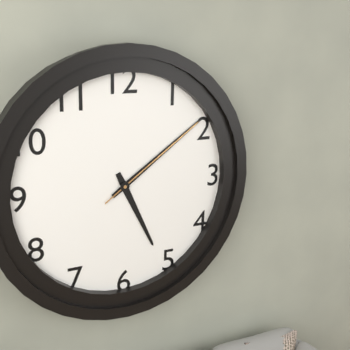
5 h 09 min 09 s
